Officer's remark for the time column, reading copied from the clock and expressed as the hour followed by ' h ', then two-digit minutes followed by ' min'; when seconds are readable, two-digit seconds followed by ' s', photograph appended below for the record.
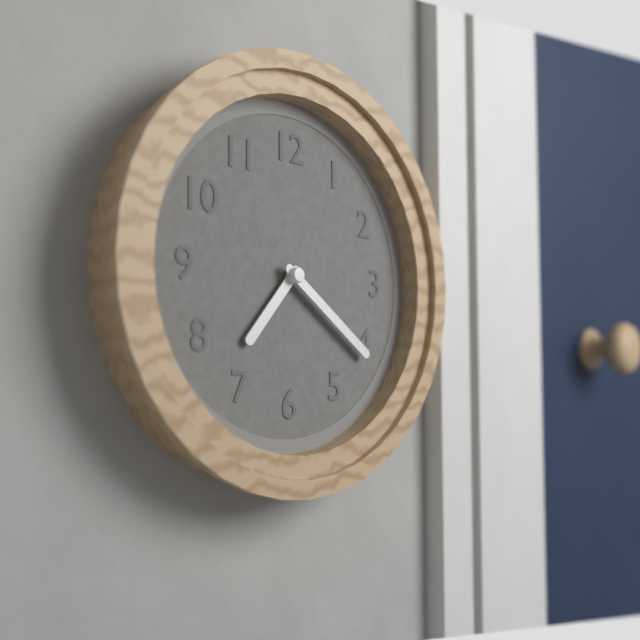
7 h 21 min
